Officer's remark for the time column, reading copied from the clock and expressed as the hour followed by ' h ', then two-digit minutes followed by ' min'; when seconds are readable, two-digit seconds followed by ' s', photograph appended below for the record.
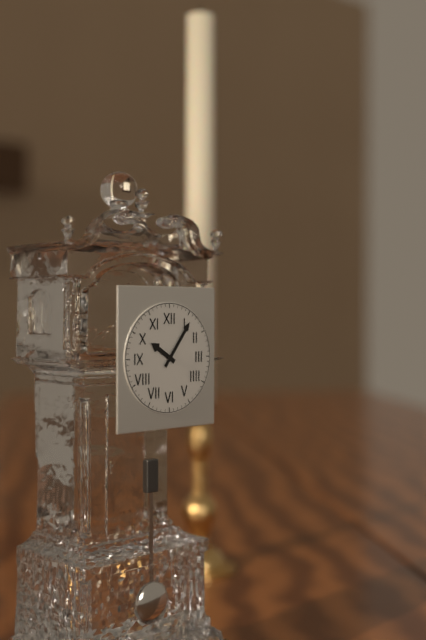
10 h 06 min
